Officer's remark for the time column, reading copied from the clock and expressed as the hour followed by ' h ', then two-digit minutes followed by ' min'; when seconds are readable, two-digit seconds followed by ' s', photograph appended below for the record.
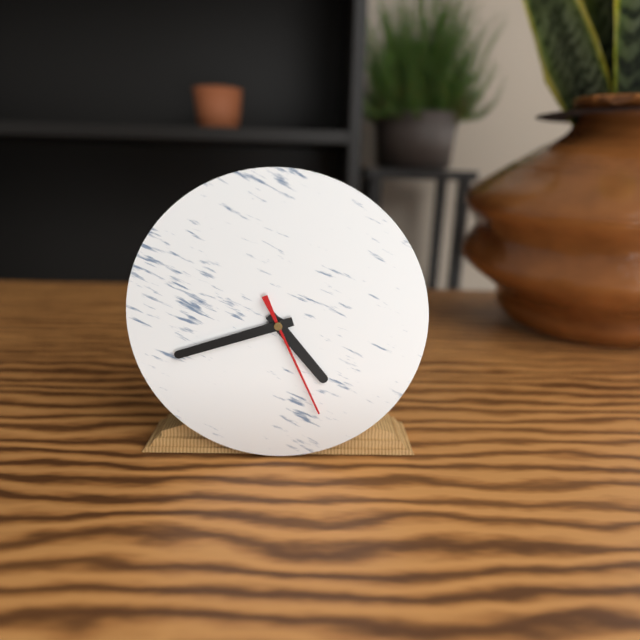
4 h 42 min 26 s
